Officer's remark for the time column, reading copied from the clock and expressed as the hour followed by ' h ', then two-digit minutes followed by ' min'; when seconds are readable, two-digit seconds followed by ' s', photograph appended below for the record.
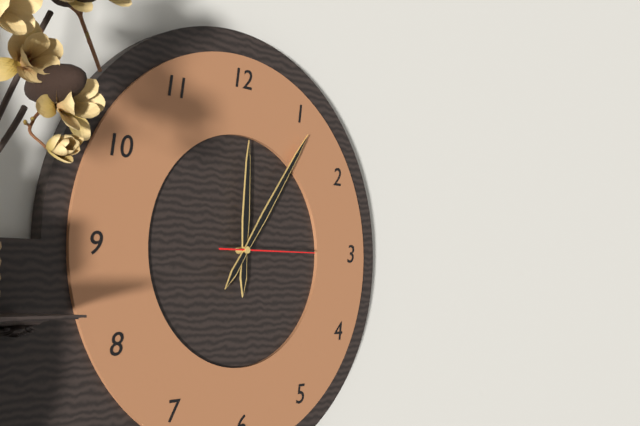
12 h 06 min 15 s
